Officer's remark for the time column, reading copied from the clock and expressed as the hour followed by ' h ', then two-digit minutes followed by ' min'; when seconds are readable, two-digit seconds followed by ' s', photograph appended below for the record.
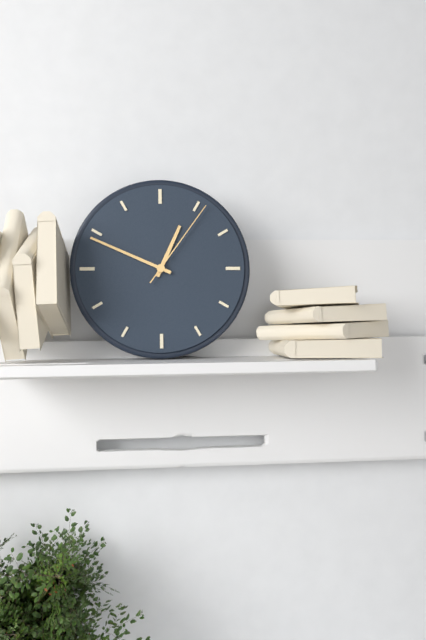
12 h 49 min 06 s
